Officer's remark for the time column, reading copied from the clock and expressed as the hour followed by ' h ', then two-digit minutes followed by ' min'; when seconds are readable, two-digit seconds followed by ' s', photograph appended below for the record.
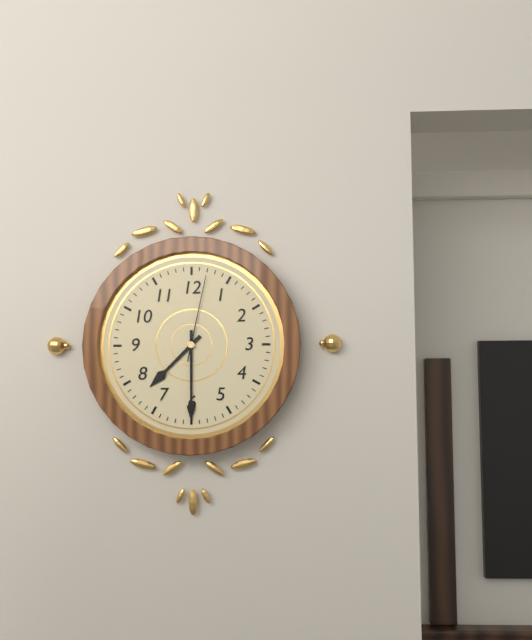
7 h 30 min 02 s
